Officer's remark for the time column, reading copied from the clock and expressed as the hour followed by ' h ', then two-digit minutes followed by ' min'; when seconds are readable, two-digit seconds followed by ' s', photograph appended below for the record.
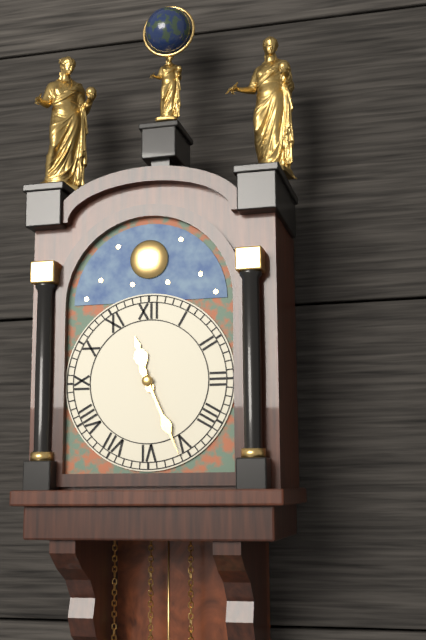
11 h 26 min
